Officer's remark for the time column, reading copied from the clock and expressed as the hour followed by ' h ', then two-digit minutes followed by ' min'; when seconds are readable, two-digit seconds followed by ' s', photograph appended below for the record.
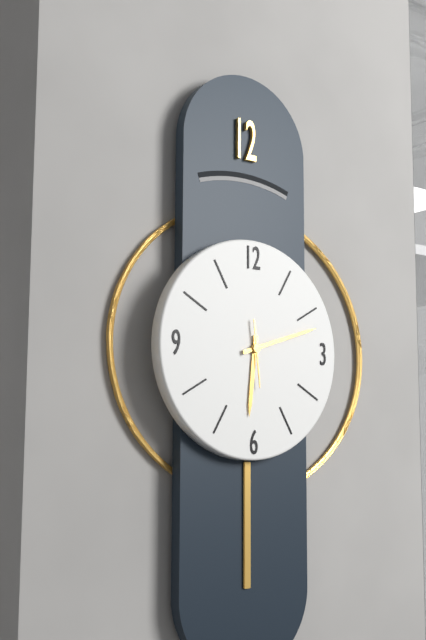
6 h 12 min 29 s
